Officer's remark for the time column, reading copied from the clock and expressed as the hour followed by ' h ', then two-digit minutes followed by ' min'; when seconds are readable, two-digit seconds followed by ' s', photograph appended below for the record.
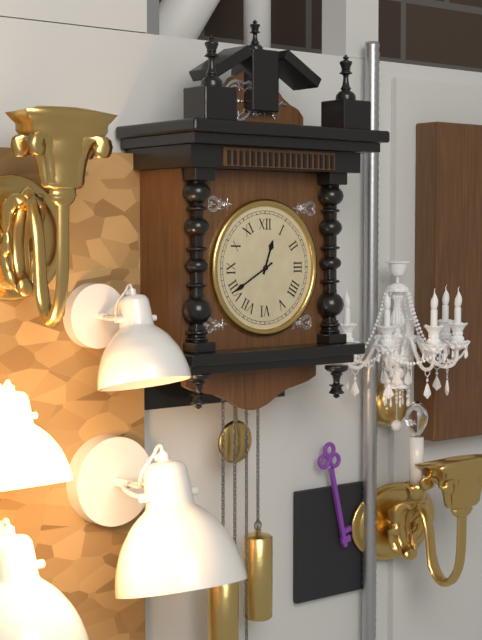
12 h 40 min
